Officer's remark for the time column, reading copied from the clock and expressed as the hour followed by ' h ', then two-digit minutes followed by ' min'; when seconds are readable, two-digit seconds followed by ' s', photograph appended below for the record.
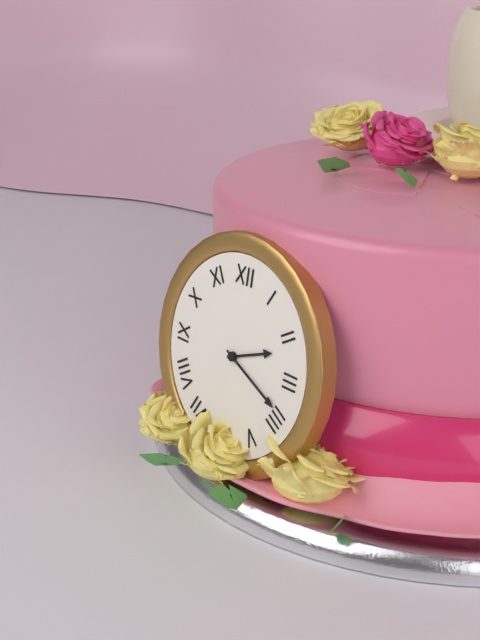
2 h 19 min
